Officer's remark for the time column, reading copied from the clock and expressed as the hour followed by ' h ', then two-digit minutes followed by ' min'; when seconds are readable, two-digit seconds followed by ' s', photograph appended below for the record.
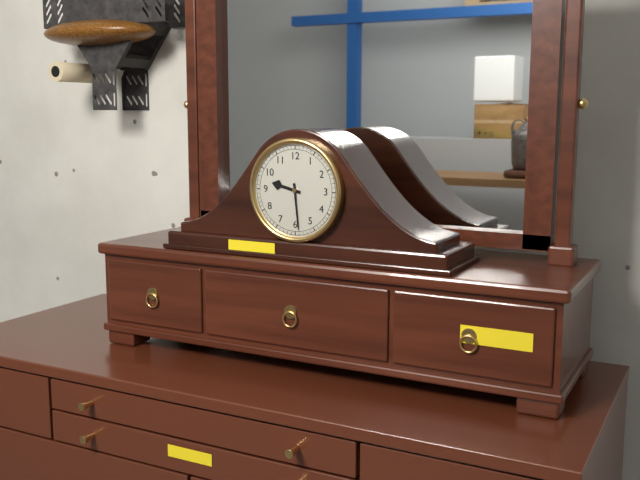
9 h 29 min
